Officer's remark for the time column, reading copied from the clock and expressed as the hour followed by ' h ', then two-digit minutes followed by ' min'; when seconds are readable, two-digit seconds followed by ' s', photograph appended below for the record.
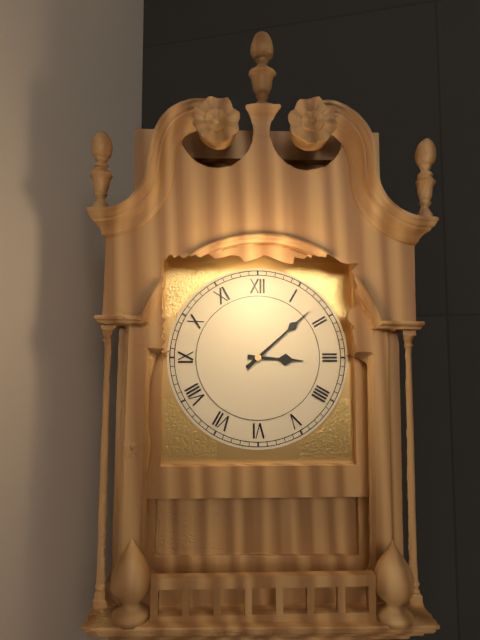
3 h 08 min
